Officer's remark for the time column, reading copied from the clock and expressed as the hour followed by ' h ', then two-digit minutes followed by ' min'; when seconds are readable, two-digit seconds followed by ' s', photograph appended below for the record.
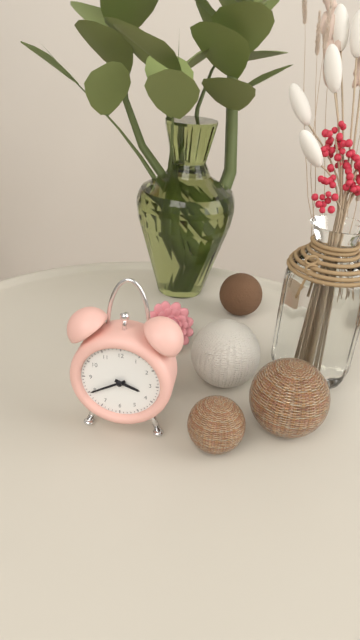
3 h 40 min
